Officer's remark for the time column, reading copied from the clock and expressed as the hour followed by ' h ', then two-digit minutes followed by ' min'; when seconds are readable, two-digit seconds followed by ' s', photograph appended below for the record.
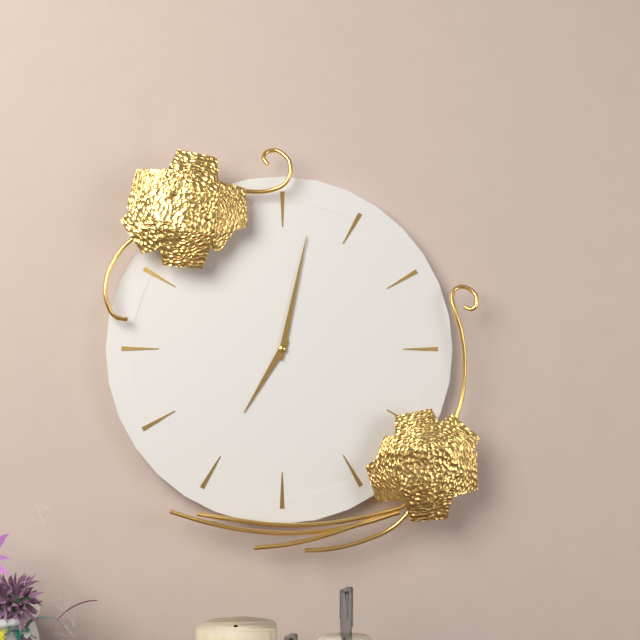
7 h 02 min
